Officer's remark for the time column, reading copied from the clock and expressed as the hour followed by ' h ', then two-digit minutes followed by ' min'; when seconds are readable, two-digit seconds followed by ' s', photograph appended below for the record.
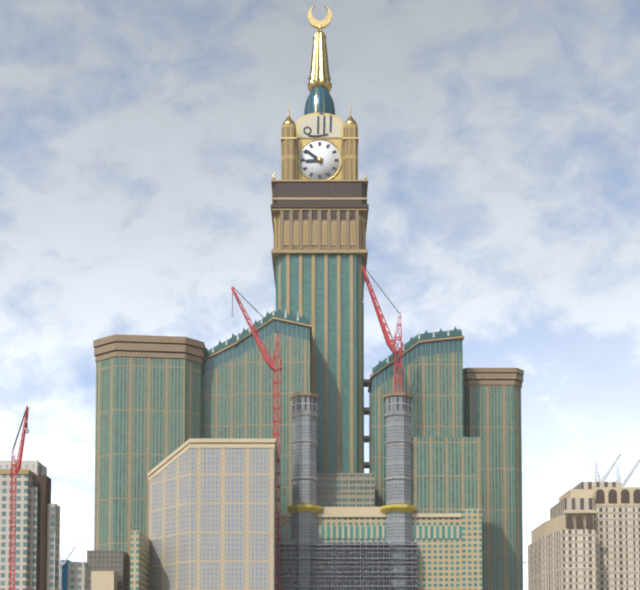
8 h 51 min
